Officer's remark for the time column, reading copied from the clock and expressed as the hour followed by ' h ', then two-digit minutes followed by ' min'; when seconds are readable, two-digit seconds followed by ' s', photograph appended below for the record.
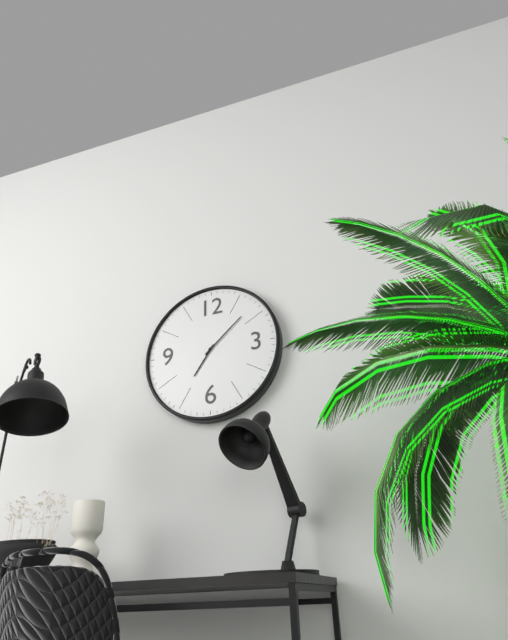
7 h 08 min
